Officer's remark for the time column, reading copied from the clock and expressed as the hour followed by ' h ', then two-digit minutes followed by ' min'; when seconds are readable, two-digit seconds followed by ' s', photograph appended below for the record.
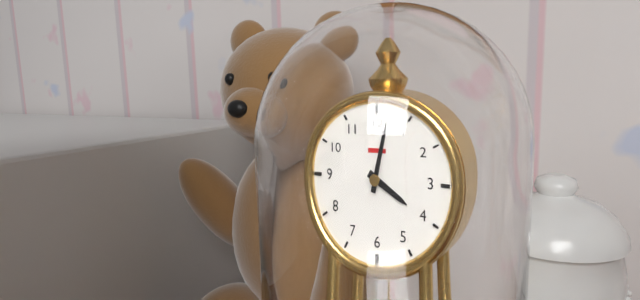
4 h 02 min
